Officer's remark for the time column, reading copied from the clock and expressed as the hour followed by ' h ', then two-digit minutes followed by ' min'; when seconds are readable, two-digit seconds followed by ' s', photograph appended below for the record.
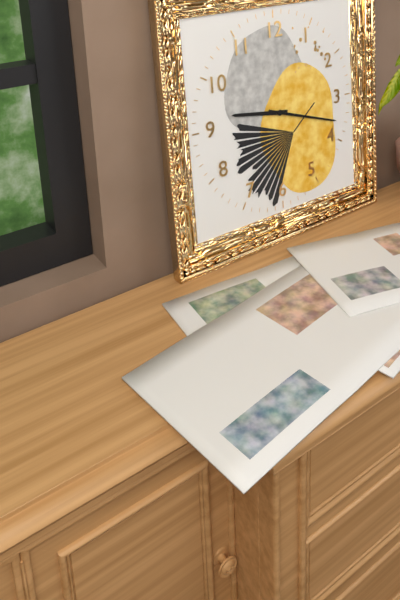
9 h 18 min
